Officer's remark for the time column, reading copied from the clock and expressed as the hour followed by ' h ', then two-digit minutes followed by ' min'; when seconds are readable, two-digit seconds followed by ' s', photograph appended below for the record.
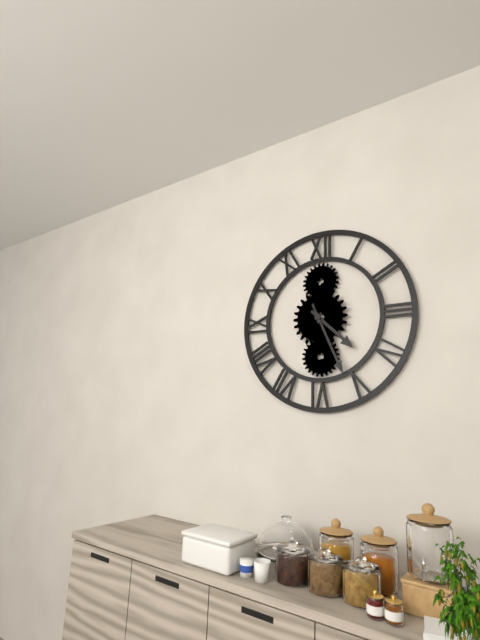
4 h 26 min
